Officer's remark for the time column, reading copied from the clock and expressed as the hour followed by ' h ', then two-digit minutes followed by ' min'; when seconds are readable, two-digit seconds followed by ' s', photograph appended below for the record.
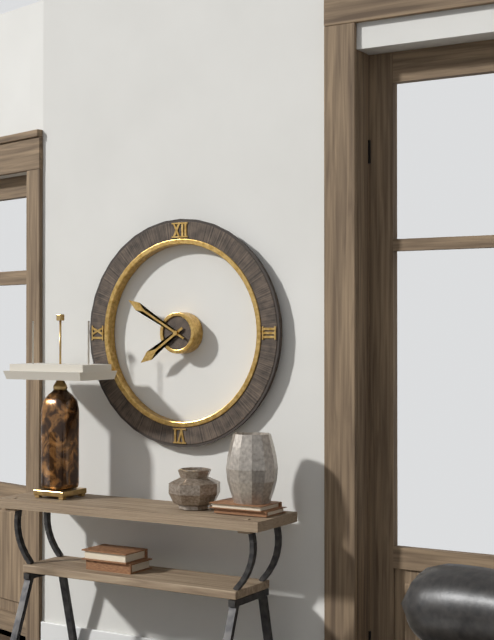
7 h 50 min
